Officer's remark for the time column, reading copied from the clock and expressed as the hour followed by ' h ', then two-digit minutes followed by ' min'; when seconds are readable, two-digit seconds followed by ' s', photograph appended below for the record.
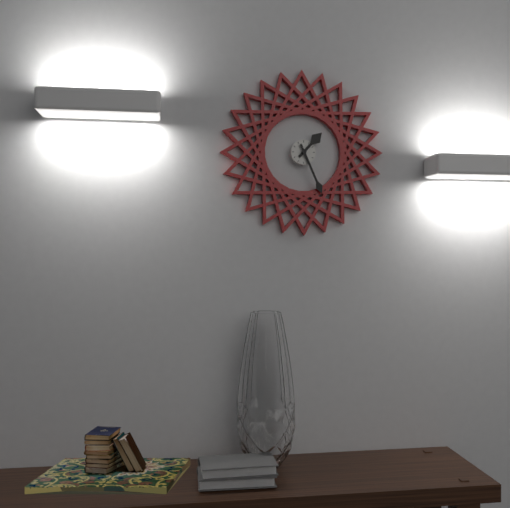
1 h 26 min
